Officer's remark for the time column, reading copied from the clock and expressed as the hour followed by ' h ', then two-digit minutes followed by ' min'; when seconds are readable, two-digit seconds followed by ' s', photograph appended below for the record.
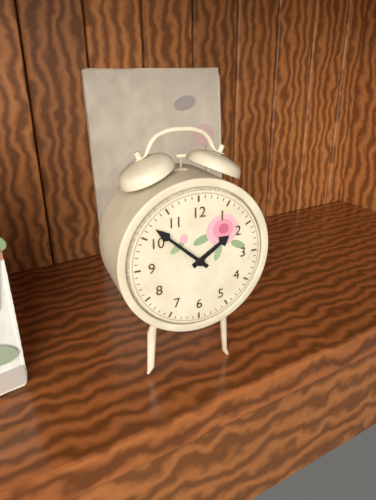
1 h 52 min
